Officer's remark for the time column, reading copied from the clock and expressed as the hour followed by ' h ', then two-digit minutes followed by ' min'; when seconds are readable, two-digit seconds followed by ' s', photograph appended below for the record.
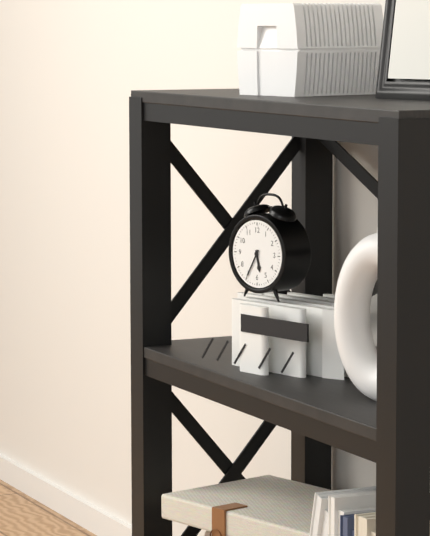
5 h 35 min
